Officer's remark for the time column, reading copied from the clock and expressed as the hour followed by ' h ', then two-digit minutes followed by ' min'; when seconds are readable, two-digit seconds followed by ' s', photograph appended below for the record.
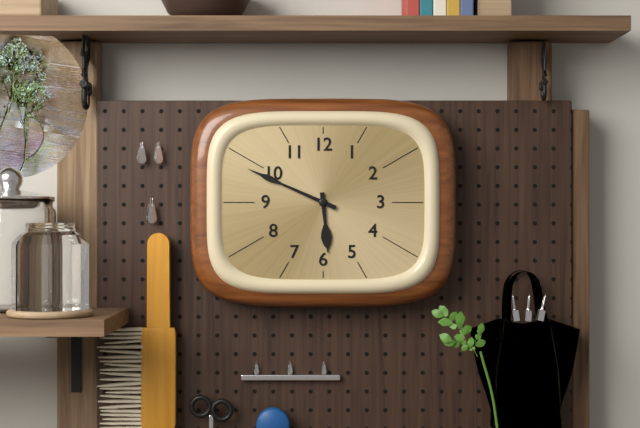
5 h 49 min
